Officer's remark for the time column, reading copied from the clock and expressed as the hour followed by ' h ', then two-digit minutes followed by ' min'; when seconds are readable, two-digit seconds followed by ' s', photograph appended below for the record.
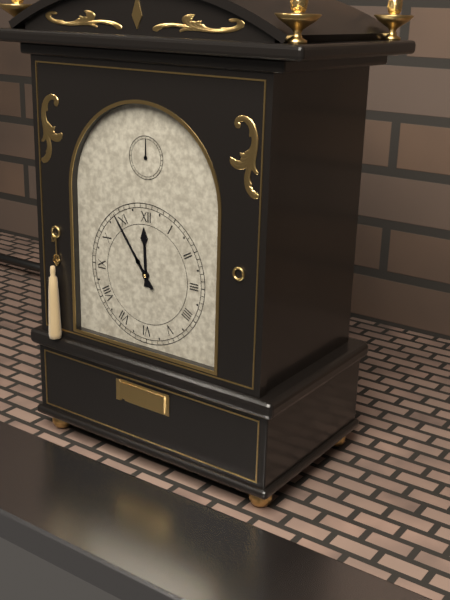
11 h 54 min
